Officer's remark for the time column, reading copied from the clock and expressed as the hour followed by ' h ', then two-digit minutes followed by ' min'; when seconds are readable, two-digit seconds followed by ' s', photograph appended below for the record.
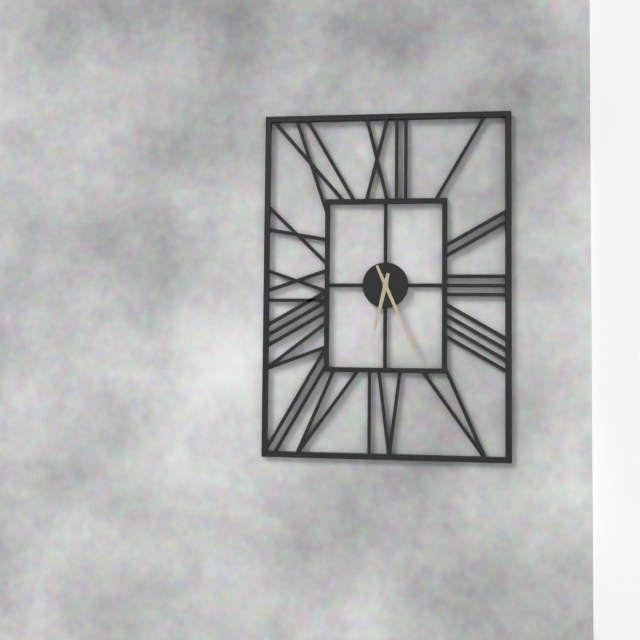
6 h 26 min
